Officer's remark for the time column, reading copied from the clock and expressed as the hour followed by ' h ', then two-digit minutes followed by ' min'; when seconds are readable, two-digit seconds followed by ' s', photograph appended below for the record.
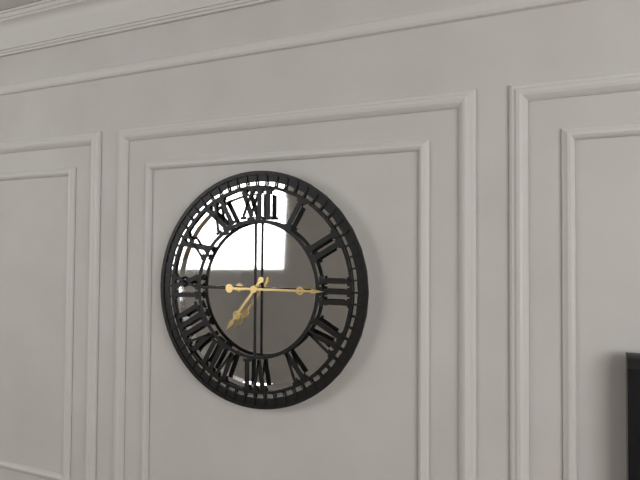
7 h 15 min
